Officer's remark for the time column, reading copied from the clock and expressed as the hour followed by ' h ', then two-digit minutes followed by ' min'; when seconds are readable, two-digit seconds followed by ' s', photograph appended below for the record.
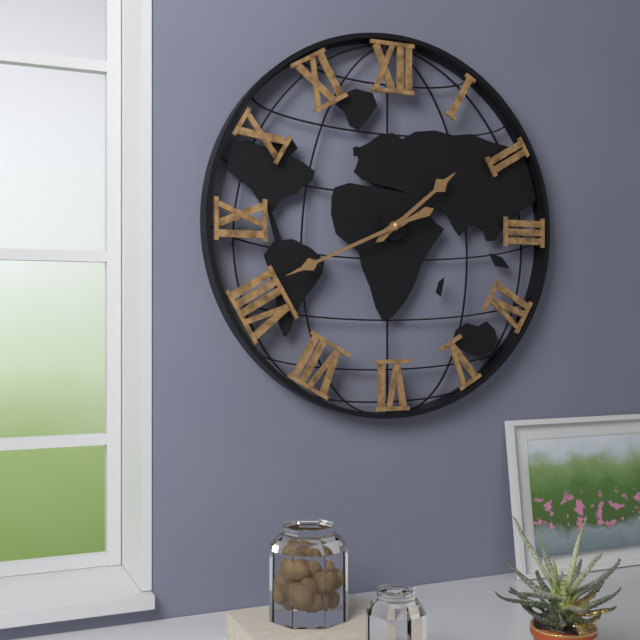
1 h 41 min
